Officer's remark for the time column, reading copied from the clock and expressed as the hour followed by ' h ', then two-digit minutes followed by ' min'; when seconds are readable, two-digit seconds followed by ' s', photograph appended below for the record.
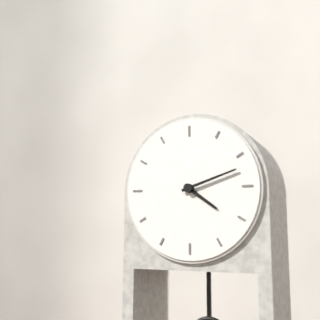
4 h 12 min
